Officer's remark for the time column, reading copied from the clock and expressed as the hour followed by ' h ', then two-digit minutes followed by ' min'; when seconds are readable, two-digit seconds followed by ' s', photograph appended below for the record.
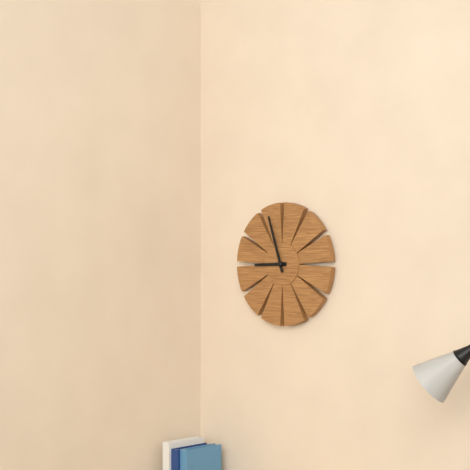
8 h 57 min
